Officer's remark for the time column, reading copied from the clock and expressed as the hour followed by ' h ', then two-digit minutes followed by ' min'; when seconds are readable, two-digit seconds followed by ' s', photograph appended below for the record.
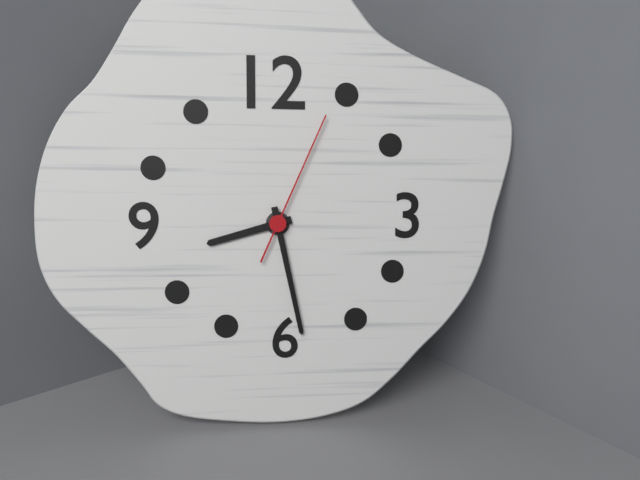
8 h 28 min 04 s
